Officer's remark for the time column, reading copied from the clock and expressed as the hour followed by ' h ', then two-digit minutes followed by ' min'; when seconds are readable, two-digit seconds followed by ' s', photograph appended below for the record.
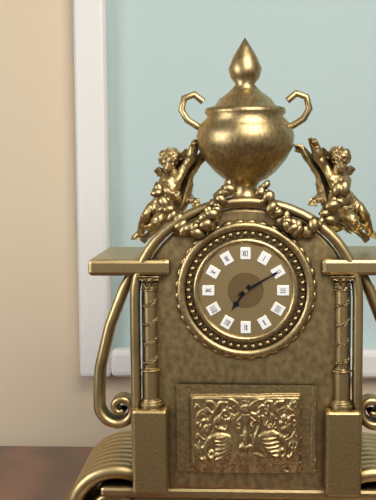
7 h 10 min
